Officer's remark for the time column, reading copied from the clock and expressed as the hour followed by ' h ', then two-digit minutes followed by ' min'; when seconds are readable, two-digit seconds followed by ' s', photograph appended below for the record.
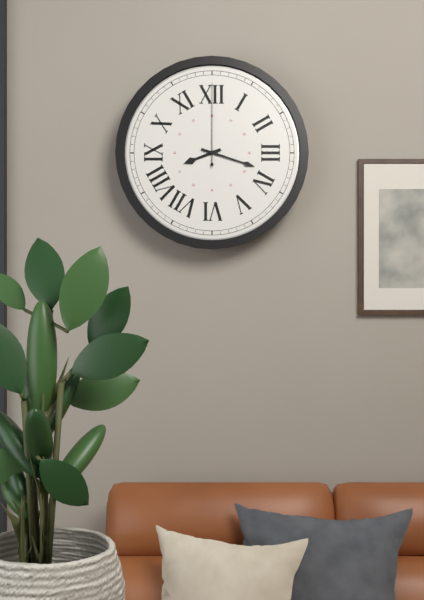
8 h 18 min 00 s
